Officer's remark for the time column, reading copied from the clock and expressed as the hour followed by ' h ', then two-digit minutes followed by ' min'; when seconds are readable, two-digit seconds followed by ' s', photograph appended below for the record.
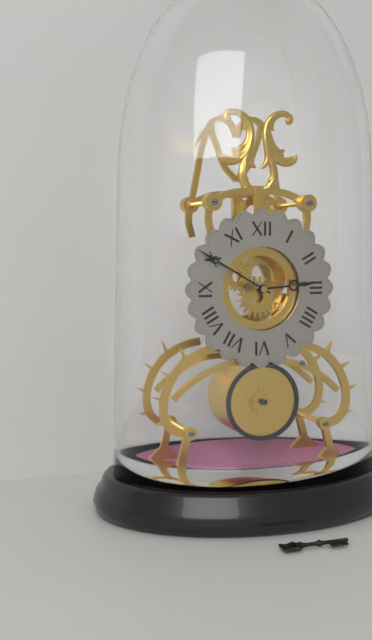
2 h 50 min
